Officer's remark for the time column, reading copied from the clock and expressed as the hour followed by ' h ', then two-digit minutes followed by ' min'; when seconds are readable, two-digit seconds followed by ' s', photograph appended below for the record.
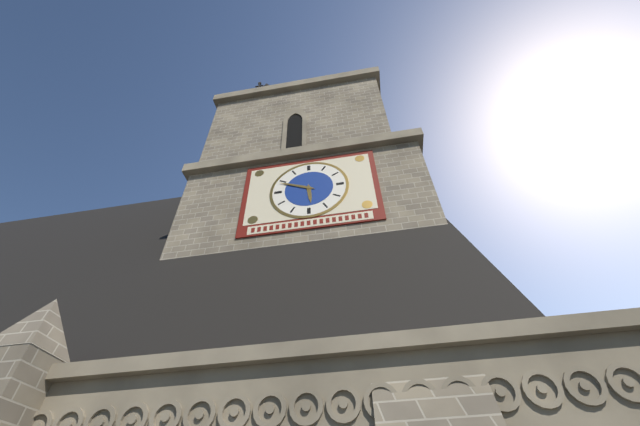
5 h 49 min
